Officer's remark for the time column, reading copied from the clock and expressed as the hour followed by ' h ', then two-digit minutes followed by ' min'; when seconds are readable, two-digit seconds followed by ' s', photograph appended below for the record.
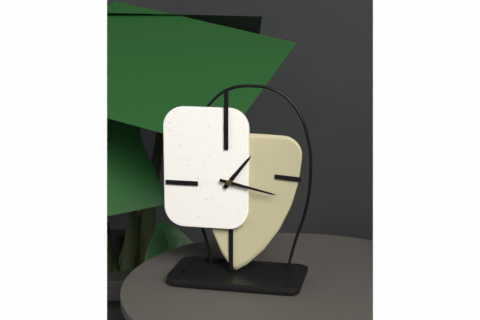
1 h 17 min
